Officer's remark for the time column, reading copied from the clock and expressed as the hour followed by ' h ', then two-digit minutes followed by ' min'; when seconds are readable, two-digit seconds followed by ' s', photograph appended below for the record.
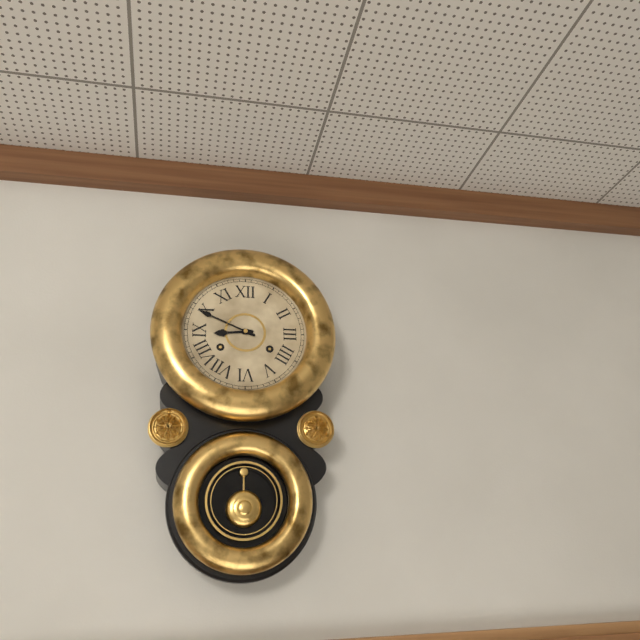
8 h 49 min
